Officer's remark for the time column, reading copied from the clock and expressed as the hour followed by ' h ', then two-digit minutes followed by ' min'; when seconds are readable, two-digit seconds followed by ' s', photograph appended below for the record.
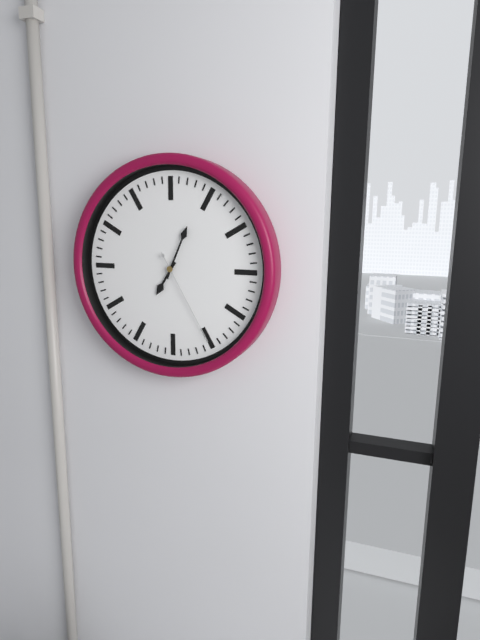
7 h 04 min 25 s
